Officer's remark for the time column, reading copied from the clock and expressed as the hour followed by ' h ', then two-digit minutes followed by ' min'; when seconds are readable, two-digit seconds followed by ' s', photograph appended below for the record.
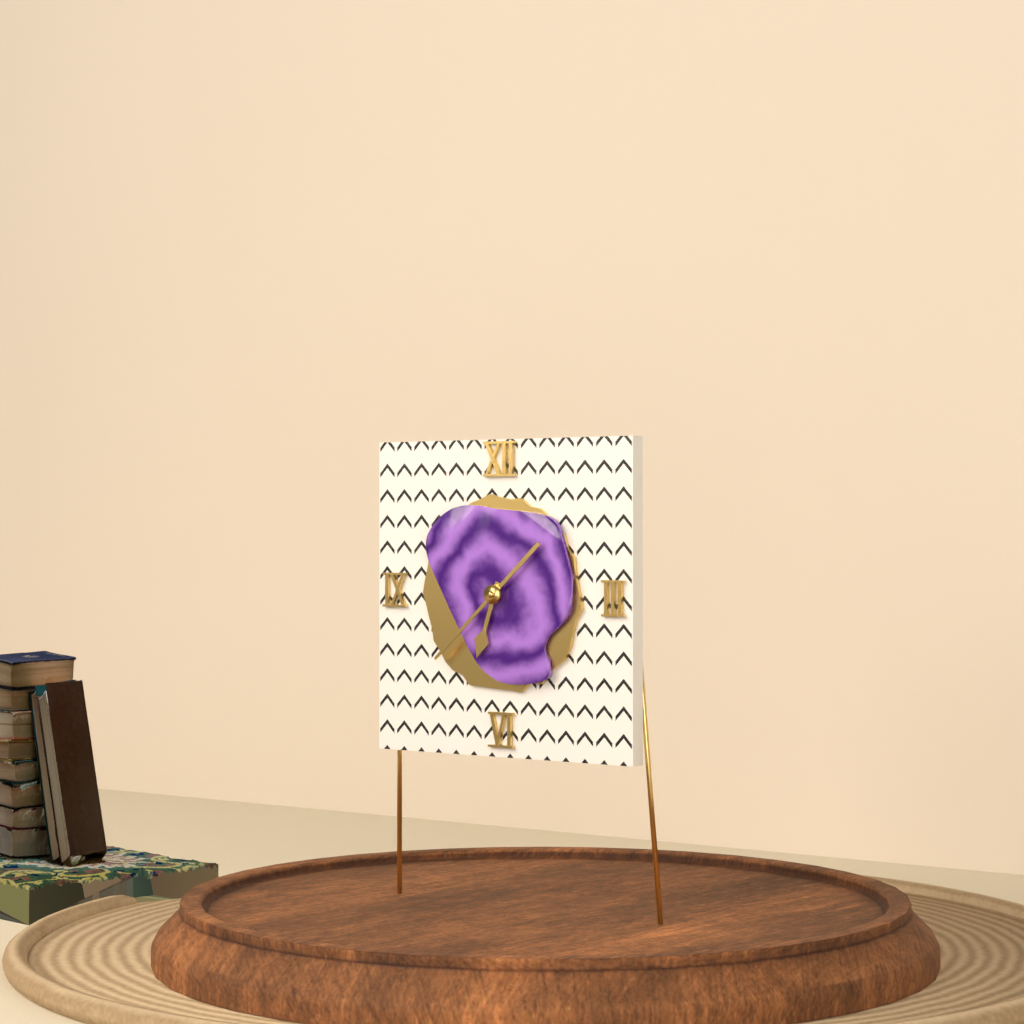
6 h 38 min
